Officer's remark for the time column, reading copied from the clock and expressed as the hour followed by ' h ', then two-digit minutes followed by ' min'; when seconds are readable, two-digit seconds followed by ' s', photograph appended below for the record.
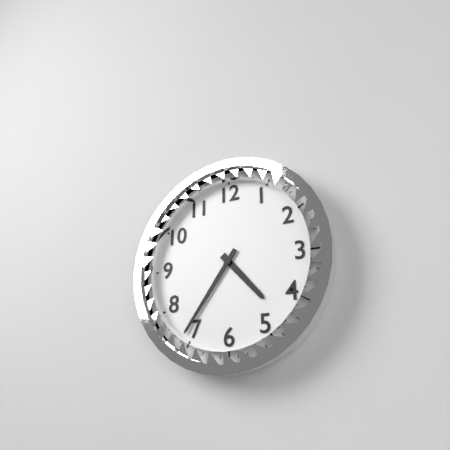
4 h 36 min
